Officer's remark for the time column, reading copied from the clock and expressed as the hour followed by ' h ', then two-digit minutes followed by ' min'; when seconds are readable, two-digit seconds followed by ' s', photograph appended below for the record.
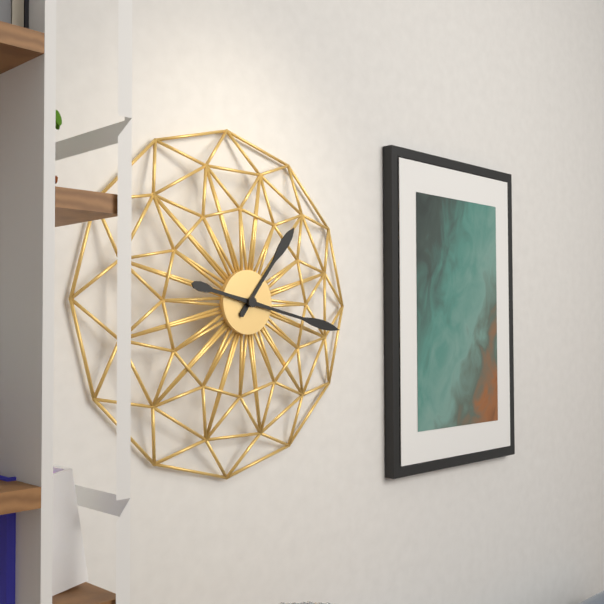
1 h 17 min
